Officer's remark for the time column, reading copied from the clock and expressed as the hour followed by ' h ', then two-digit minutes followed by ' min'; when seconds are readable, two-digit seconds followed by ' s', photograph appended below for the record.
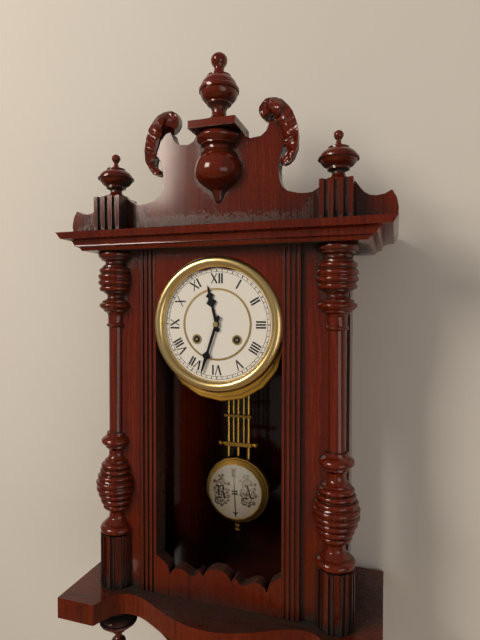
11 h 33 min
